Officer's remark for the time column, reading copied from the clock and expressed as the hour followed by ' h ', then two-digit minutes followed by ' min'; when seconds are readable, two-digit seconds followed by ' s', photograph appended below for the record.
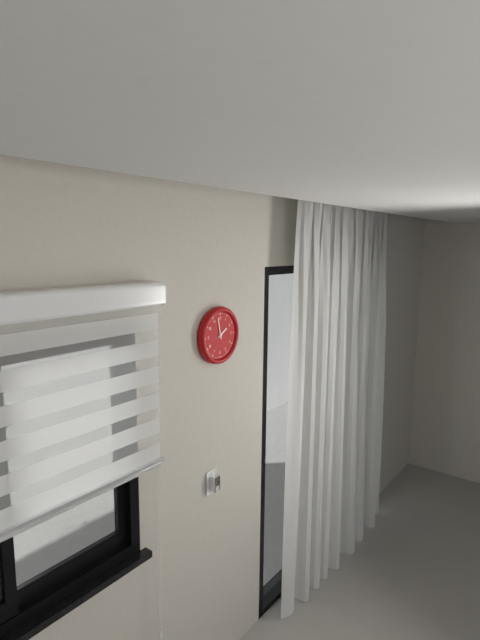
1 h 58 min
